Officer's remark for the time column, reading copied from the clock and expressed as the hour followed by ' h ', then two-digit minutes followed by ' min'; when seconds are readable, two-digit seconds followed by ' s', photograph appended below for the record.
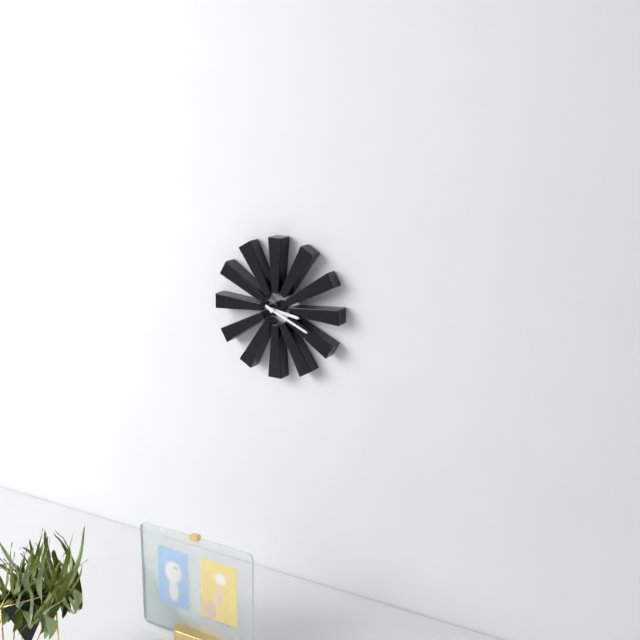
3 h 19 min
